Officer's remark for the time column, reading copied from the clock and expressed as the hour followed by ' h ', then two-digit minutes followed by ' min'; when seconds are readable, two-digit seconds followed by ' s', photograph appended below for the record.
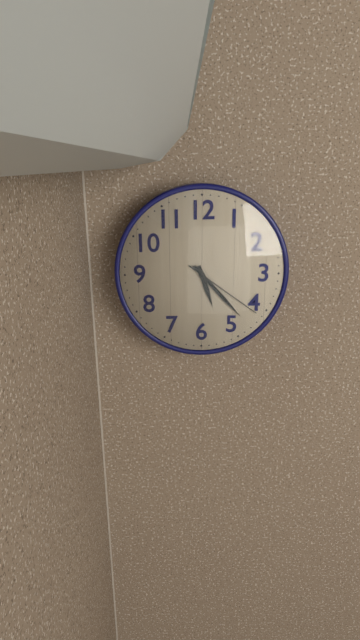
5 h 23 min 21 s
